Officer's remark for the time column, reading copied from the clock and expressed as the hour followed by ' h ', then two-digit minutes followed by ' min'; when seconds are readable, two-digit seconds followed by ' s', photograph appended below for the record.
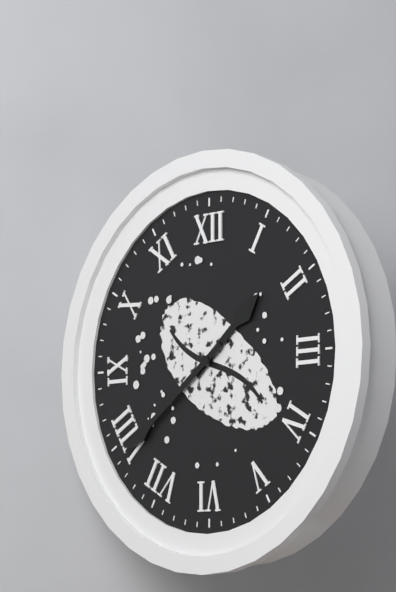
1 h 39 min
